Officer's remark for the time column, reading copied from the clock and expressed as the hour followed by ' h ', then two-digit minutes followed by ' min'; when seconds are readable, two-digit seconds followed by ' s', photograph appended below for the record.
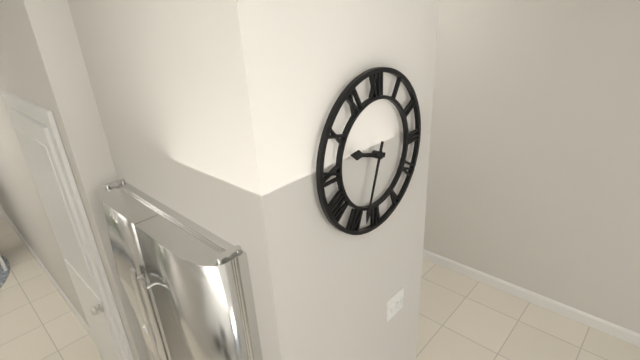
9 h 33 min
